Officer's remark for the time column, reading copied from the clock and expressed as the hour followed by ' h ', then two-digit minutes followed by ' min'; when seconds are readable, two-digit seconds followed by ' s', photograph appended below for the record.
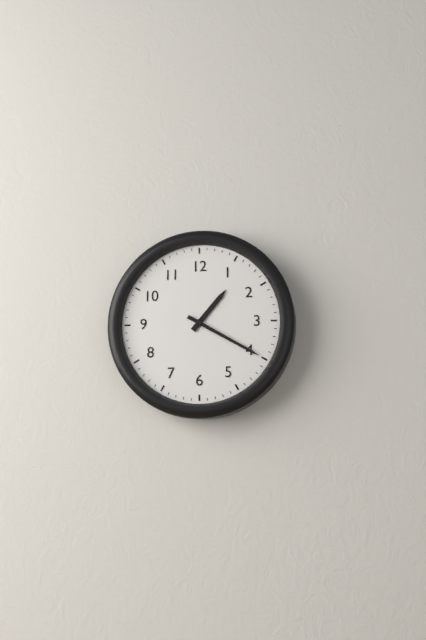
1 h 20 min
